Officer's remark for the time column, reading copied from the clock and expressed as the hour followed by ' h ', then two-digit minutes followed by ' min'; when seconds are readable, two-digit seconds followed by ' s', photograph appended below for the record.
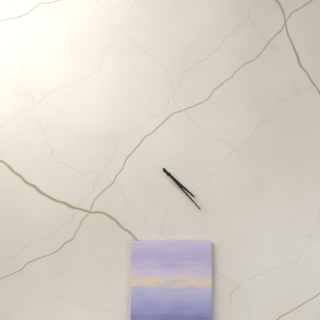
4 h 23 min
